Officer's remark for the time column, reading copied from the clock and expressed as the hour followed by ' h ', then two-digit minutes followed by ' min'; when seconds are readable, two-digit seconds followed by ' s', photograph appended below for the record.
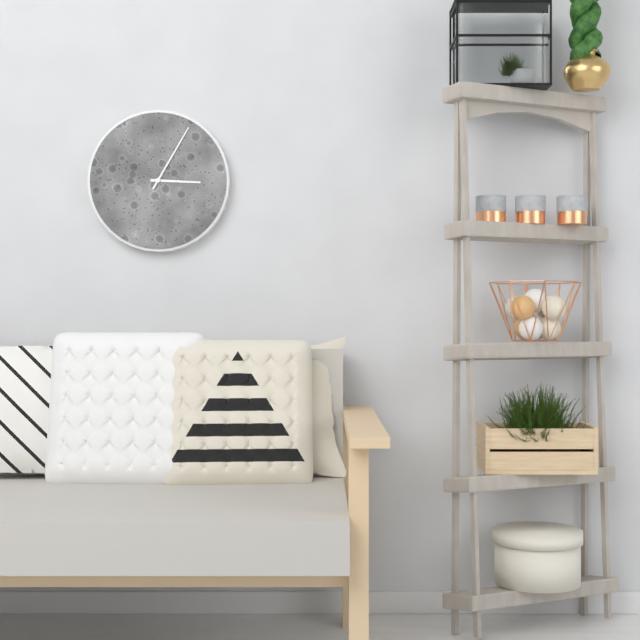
3 h 05 min
